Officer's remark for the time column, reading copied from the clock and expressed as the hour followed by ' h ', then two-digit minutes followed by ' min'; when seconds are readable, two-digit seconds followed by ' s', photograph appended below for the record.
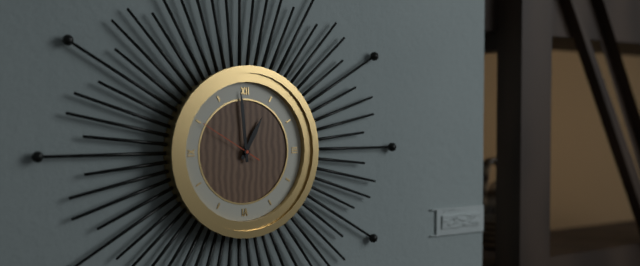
12 h 59 min 50 s
